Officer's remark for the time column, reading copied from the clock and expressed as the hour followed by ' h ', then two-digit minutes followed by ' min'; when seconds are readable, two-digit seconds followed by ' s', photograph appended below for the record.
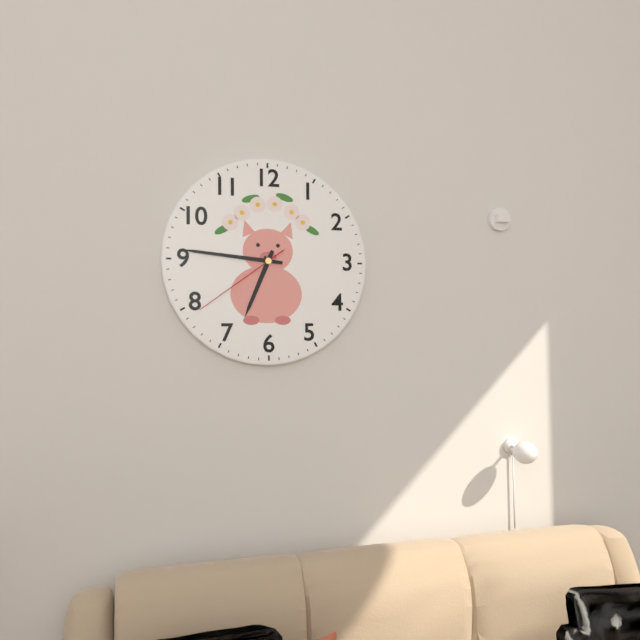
6 h 46 min 39 s
